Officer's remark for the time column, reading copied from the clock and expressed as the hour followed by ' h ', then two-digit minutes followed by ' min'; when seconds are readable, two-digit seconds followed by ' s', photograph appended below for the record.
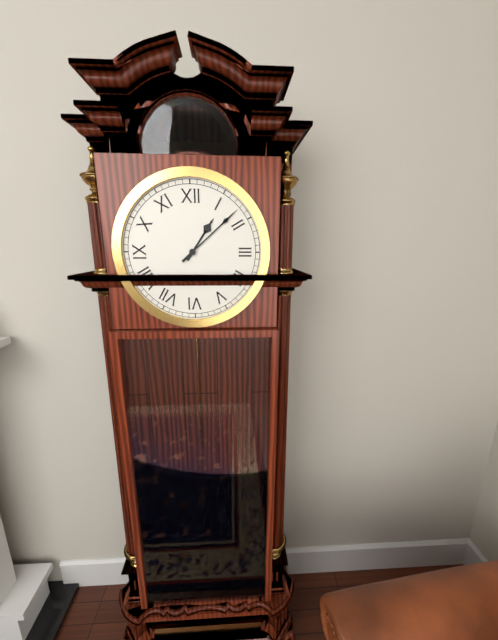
1 h 08 min
